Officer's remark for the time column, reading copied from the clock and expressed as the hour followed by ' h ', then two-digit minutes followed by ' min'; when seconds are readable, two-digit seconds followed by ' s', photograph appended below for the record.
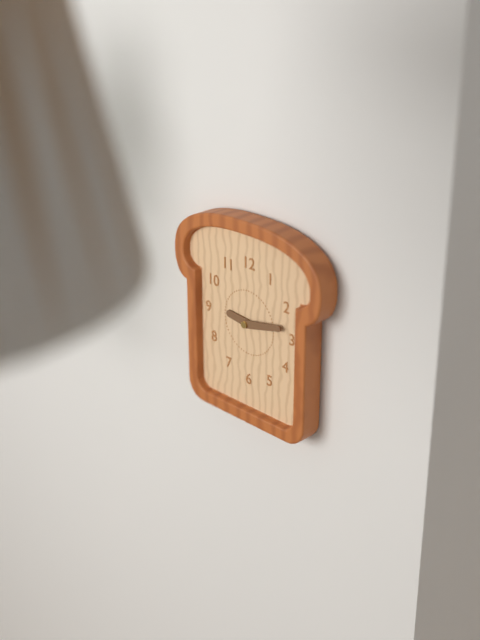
9 h 13 min
